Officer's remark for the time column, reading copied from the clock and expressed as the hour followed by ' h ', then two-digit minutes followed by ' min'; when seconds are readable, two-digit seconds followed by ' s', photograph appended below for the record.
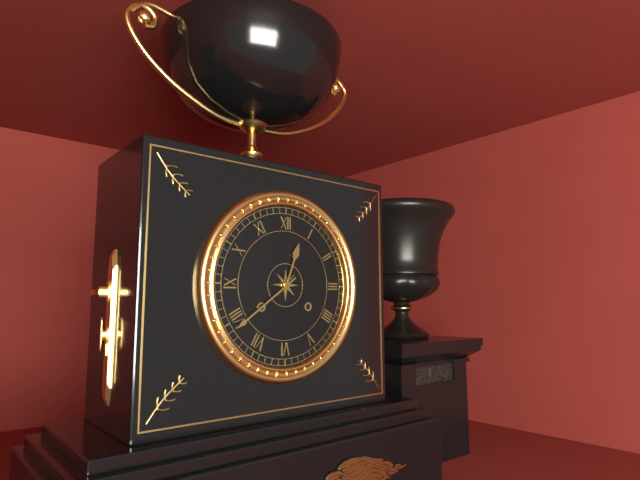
12 h 39 min
